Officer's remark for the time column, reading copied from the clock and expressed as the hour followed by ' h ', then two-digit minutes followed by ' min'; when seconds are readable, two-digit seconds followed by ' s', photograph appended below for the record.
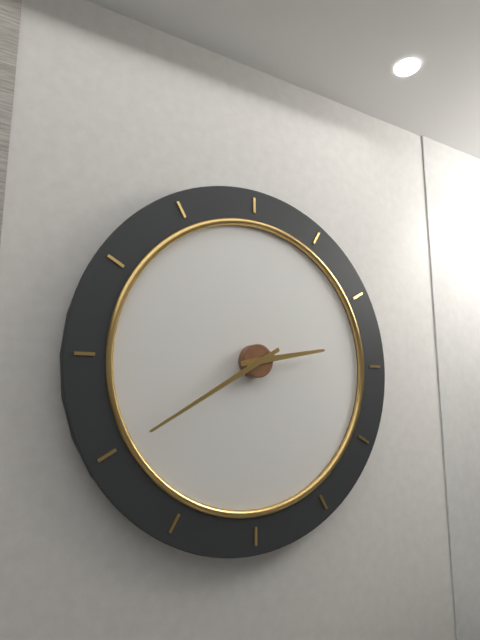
2 h 40 min
